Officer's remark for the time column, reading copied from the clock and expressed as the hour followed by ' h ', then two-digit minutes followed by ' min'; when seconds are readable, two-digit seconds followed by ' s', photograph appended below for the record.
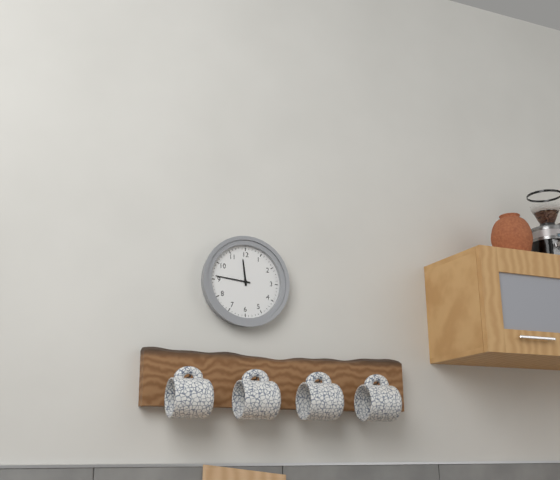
11 h 46 min
